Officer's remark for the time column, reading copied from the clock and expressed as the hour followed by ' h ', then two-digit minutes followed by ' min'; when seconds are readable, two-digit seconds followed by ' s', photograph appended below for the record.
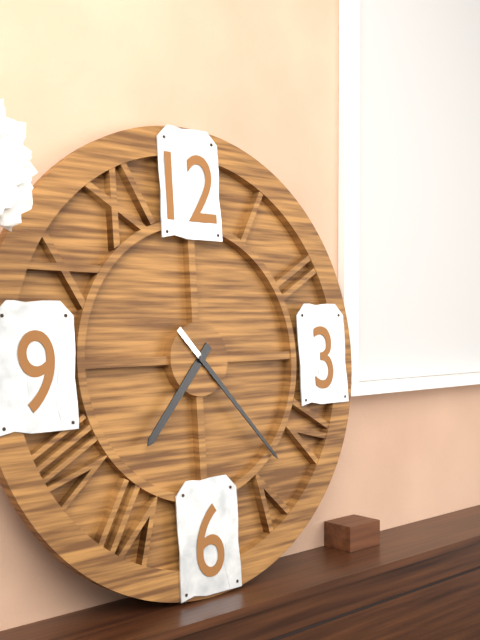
7 h 23 min
